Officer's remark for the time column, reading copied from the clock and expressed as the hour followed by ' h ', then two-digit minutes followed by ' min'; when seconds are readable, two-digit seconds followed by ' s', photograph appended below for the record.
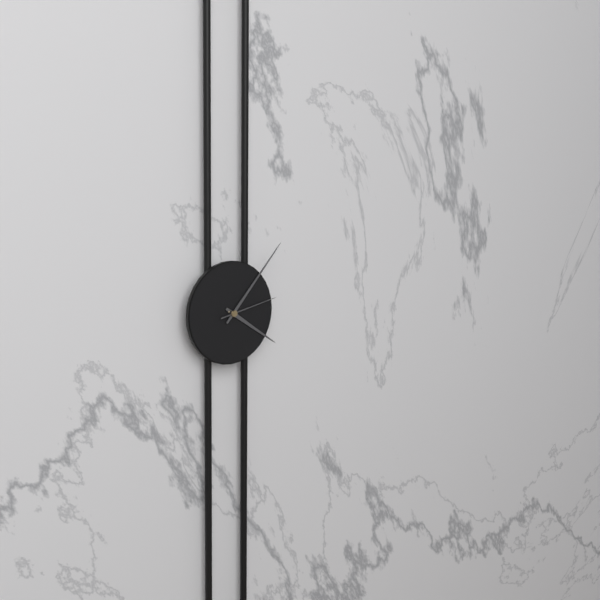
4 h 07 min 13 s
